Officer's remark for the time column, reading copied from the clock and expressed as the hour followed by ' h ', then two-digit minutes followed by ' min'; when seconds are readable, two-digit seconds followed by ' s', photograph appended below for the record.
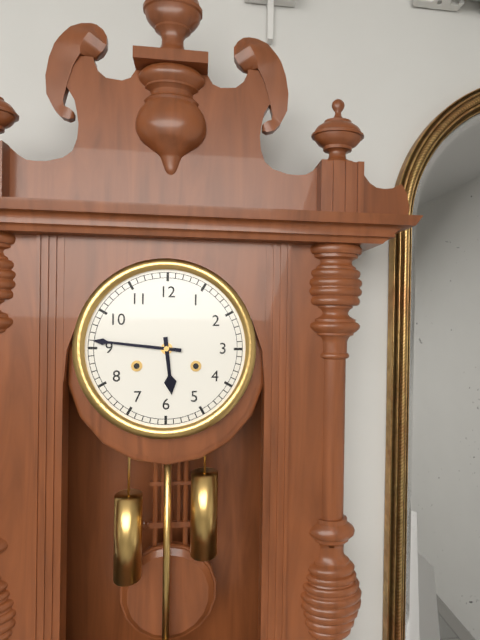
5 h 46 min
